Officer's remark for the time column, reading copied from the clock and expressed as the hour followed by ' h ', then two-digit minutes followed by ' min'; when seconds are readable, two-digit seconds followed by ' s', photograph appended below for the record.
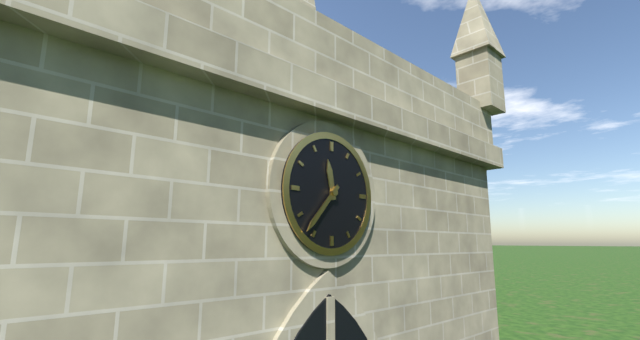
11 h 37 min
